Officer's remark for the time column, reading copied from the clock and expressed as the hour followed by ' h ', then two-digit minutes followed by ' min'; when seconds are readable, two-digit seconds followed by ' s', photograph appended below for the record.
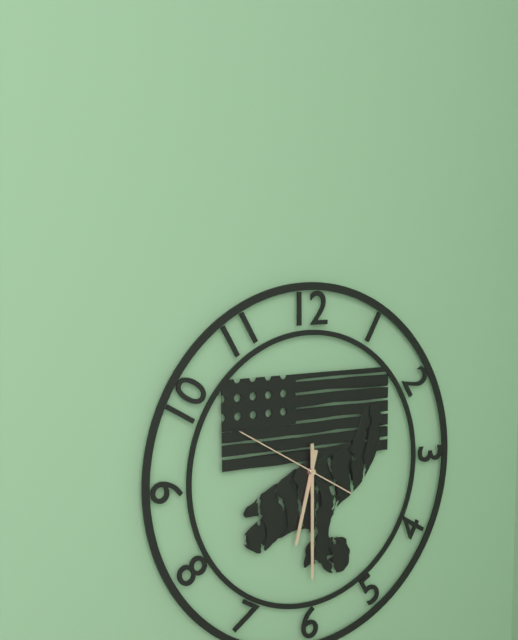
6 h 30 min 50 s
